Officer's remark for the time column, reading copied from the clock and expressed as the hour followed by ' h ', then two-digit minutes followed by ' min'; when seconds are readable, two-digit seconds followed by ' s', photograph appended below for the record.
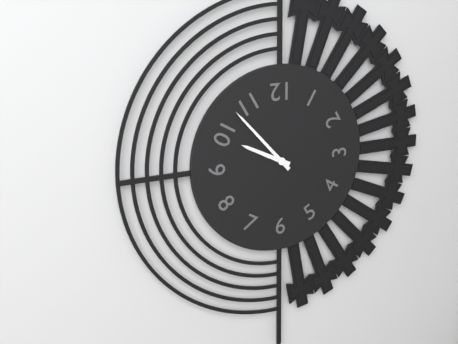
9 h 53 min
